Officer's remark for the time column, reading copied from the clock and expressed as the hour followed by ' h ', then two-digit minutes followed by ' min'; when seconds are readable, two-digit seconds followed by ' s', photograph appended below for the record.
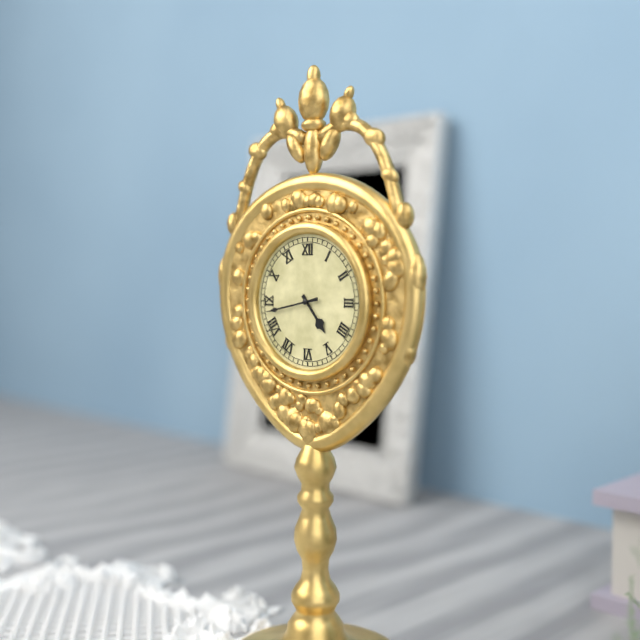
4 h 43 min
